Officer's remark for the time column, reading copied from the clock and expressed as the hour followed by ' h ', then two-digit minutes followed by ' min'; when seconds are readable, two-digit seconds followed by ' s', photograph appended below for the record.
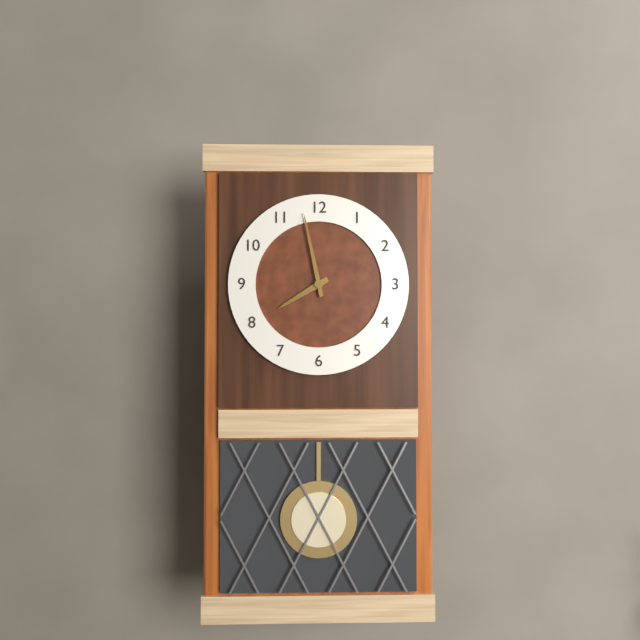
7 h 58 min
